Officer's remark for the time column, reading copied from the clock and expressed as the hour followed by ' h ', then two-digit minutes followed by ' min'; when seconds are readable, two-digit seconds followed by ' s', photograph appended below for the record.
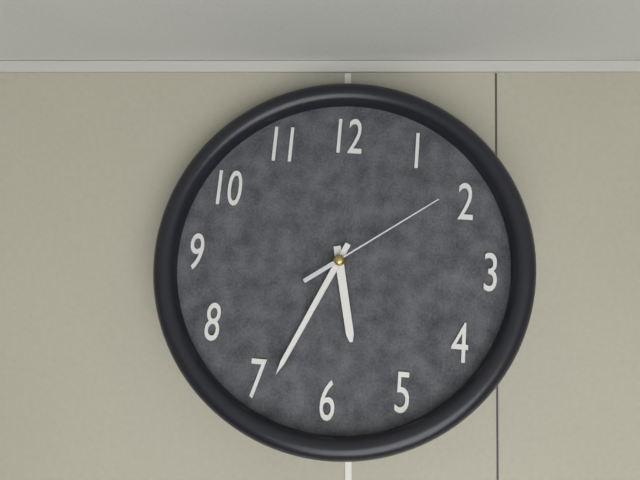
5 h 34 min 09 s
